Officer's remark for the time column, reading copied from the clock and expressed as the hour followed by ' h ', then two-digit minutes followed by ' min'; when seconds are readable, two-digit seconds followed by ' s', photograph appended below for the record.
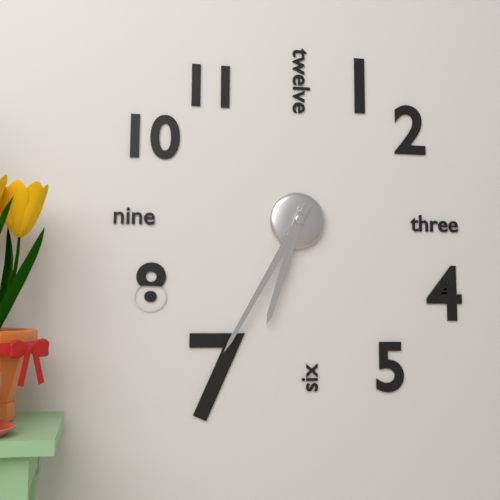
6 h 35 min
